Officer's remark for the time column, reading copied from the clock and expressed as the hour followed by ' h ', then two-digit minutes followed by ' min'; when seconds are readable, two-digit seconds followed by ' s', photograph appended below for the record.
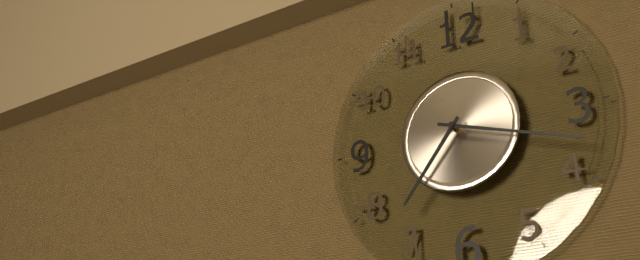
7 h 18 min
